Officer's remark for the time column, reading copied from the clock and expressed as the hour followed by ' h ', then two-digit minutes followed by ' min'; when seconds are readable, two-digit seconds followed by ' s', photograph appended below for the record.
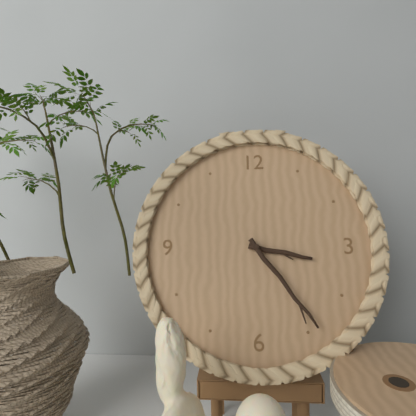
3 h 24 min
